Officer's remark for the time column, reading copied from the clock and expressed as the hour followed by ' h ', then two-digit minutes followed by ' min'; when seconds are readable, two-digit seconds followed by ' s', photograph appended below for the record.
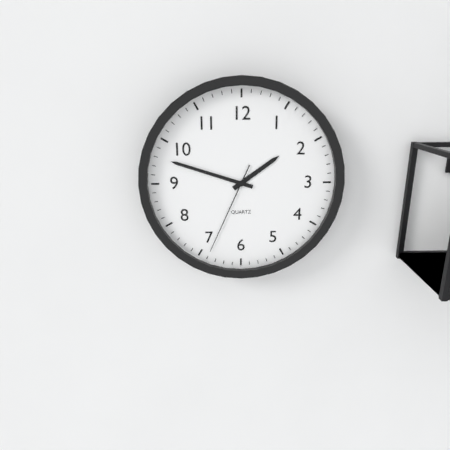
1 h 48 min 34 s
